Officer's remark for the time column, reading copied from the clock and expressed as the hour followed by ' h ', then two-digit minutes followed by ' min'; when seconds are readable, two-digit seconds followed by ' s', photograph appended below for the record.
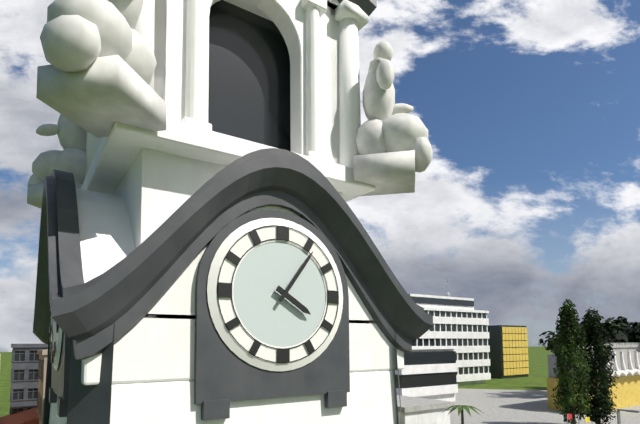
4 h 06 min
